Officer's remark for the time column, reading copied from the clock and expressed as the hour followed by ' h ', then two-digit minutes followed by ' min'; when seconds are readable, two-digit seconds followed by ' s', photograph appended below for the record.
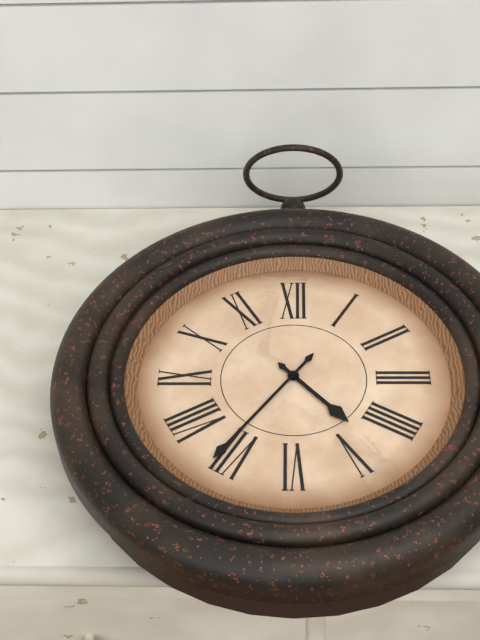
4 h 36 min
